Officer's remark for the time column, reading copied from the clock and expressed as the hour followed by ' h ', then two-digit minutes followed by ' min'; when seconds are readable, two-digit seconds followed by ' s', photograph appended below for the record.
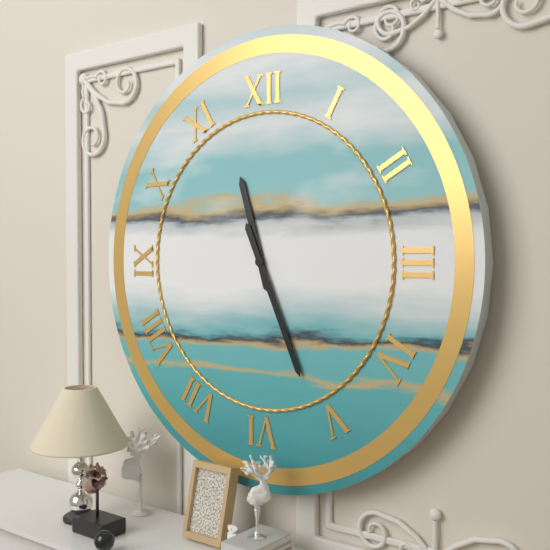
11 h 26 min
